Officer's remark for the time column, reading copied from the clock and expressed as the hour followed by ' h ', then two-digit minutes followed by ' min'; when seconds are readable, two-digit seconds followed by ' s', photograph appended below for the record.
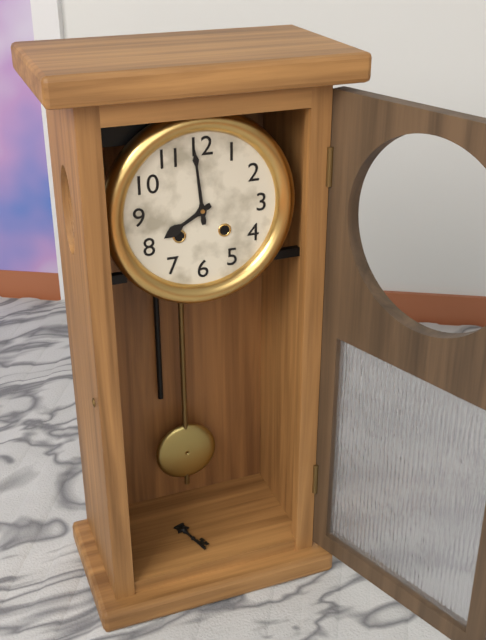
7 h 59 min
